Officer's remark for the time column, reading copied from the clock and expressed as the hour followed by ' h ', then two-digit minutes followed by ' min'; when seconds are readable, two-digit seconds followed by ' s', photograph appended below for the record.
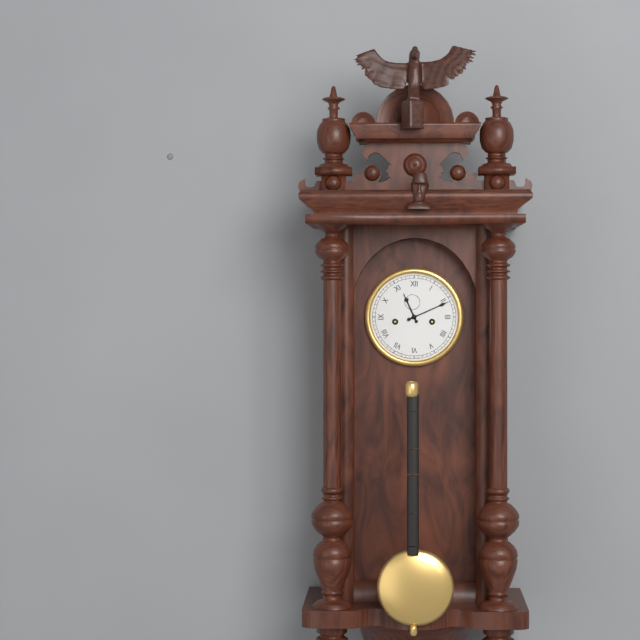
11 h 11 min
